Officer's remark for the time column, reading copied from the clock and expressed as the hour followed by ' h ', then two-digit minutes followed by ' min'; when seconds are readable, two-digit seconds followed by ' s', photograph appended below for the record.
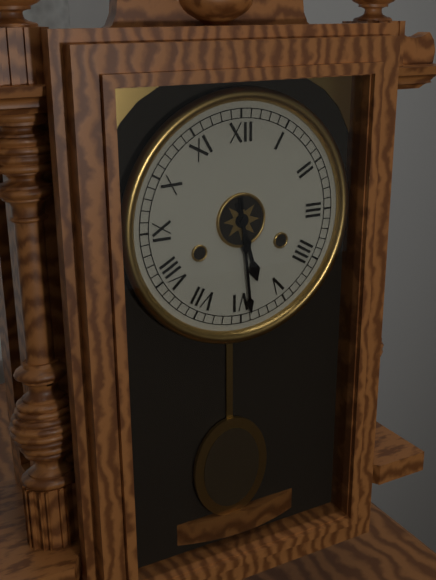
5 h 29 min
